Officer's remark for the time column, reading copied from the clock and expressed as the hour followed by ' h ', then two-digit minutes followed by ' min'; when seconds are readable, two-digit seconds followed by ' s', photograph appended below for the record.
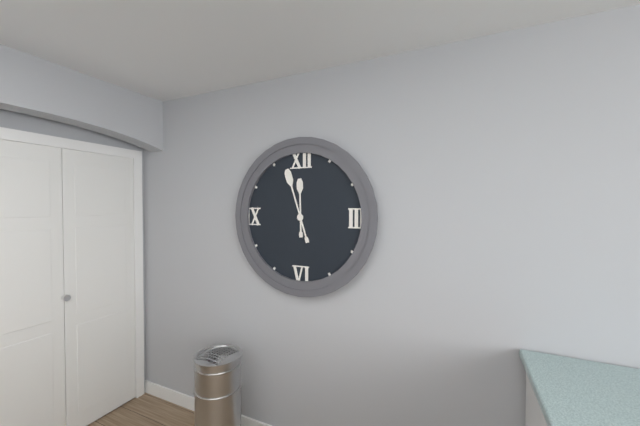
11 h 57 min
